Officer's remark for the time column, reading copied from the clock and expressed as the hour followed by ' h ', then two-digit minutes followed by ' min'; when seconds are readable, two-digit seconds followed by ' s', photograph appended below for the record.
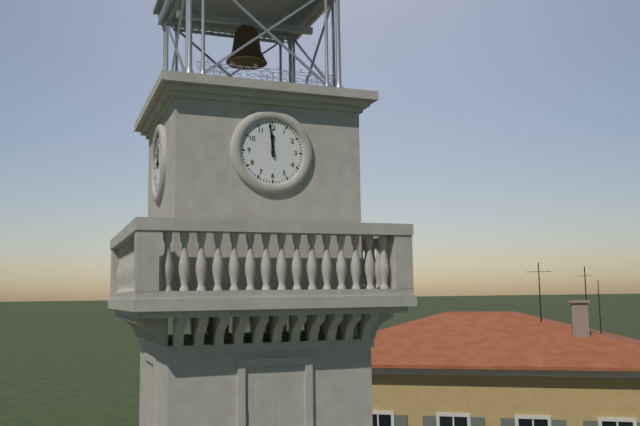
11 h 59 min
